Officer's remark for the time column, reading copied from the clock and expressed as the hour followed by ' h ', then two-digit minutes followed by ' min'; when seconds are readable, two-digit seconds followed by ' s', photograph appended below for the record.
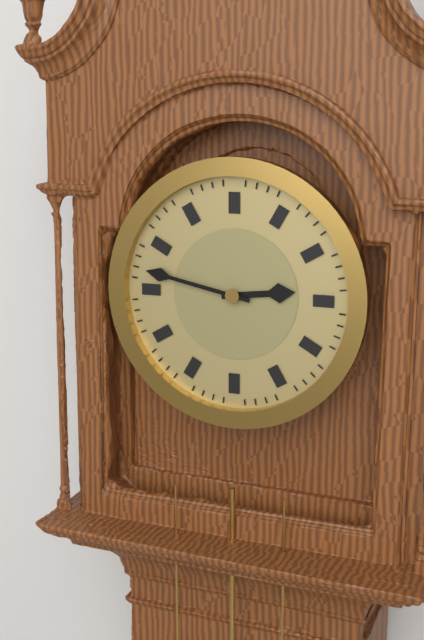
2 h 47 min
